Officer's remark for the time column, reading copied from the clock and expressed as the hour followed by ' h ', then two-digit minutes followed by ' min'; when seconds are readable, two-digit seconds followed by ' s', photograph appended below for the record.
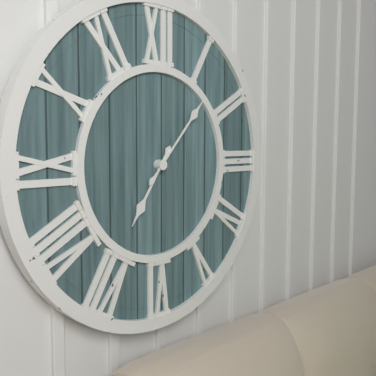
7 h 07 min
